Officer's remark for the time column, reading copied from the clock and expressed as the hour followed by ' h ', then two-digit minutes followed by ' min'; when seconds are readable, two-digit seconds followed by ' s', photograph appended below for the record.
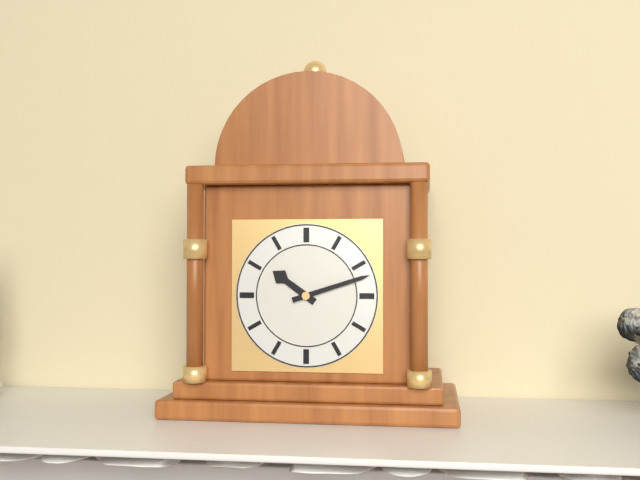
10 h 12 min
